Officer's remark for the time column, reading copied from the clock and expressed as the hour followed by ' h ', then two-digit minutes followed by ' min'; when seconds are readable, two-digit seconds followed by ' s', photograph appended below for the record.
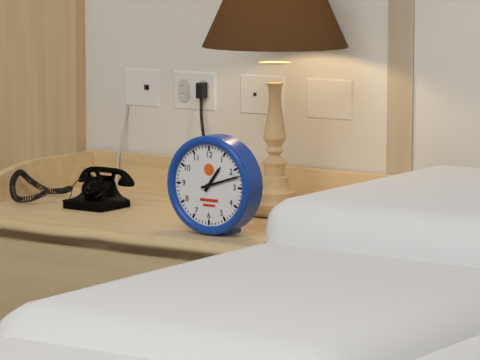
1 h 12 min
